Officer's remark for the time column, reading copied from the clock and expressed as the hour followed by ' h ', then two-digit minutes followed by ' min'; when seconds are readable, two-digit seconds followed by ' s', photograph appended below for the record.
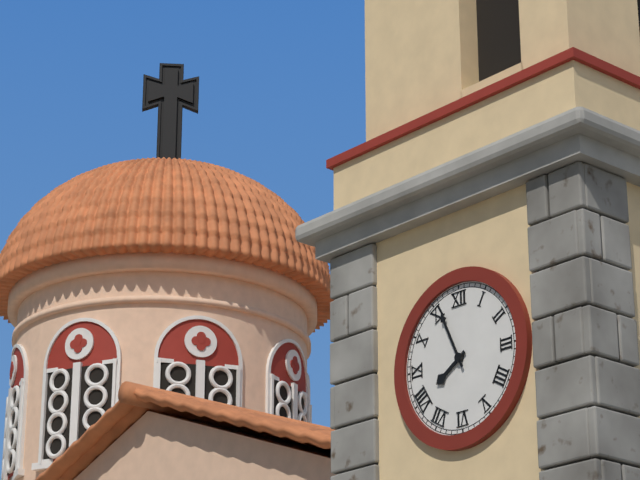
7 h 56 min
